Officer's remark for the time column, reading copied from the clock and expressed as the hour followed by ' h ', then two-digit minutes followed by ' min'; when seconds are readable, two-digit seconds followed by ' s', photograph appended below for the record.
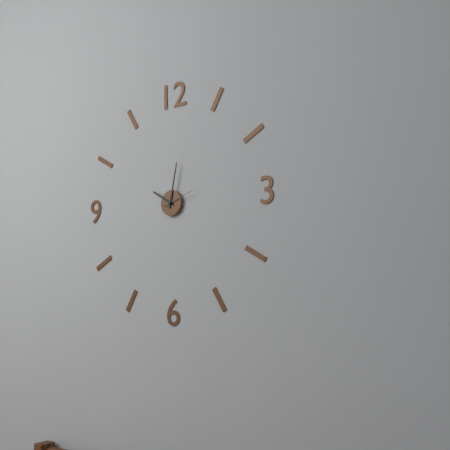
10 h 02 min
